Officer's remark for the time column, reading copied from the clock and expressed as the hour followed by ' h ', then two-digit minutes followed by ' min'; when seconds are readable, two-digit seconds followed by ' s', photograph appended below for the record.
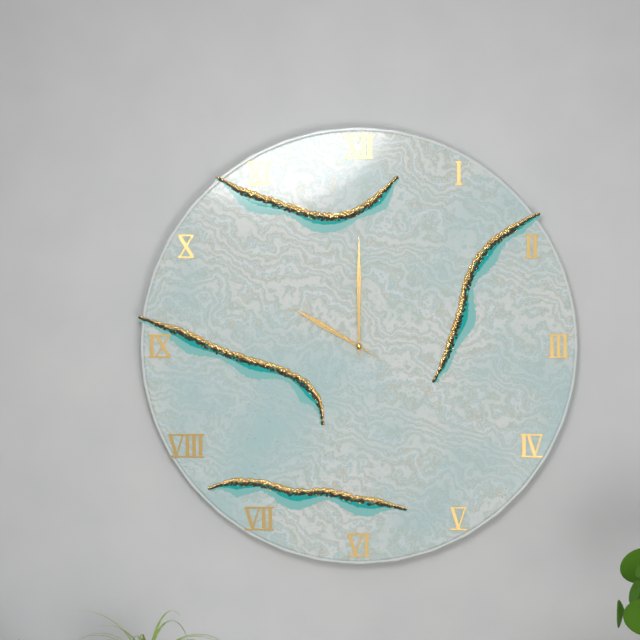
10 h 00 min 50 s
